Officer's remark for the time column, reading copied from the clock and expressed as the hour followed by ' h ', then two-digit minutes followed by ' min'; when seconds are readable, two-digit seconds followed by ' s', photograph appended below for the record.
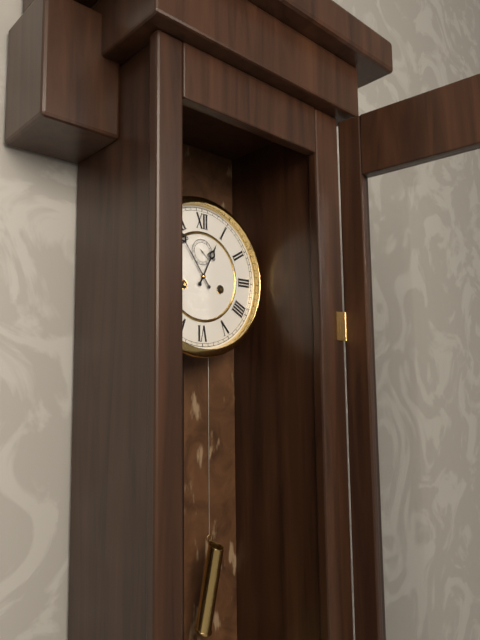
12 h 54 min
